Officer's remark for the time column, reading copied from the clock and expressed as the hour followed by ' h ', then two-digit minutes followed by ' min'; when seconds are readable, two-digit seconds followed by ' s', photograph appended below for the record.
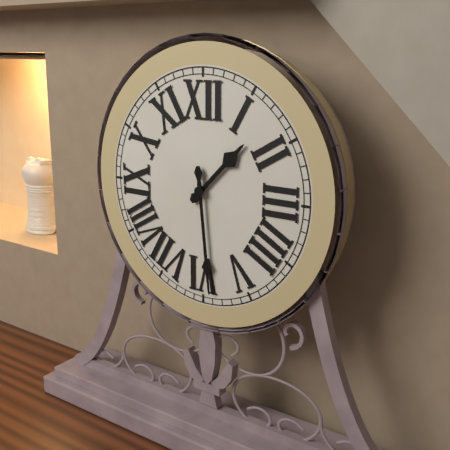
1 h 29 min
